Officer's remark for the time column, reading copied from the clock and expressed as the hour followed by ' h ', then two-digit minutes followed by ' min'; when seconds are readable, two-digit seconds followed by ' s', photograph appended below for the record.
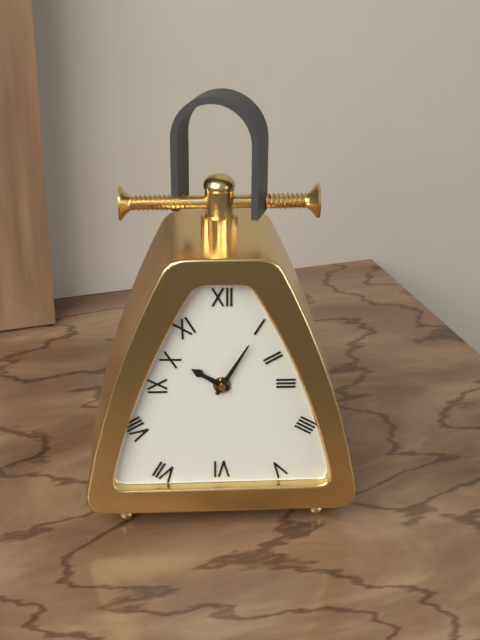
10 h 05 min
